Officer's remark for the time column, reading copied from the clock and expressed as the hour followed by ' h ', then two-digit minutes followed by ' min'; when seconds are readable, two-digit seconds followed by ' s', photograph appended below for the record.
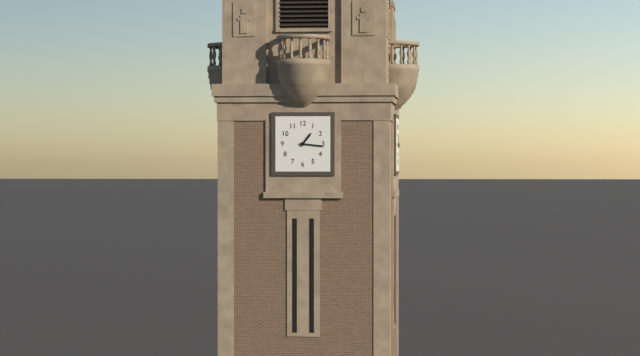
1 h 16 min
